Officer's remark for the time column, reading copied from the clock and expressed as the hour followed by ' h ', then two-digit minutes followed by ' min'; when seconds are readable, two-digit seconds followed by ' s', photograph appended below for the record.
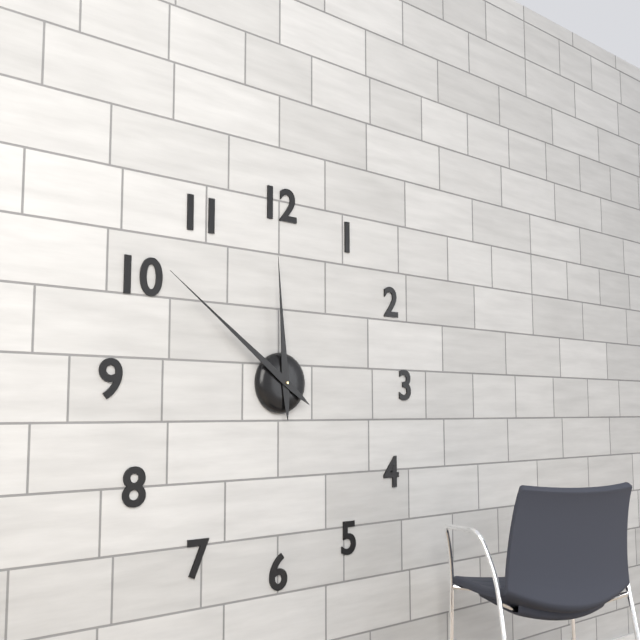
11 h 51 min
